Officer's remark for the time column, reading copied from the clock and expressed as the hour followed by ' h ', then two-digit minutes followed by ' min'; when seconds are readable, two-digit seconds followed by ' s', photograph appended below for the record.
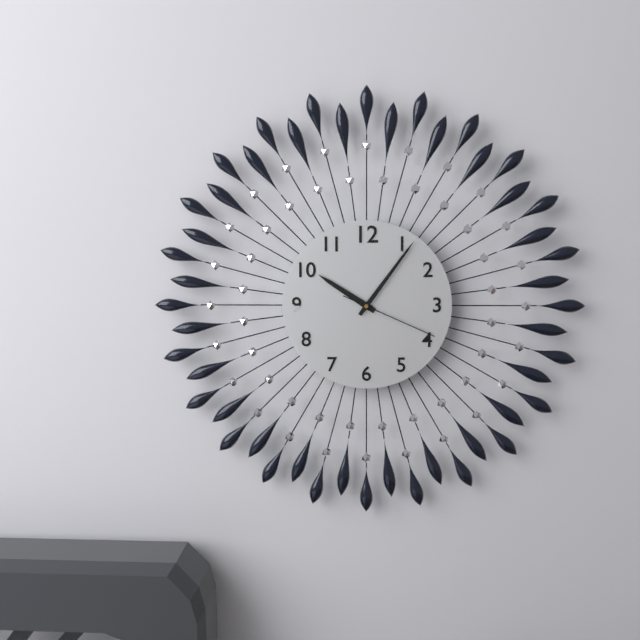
10 h 06 min 19 s
